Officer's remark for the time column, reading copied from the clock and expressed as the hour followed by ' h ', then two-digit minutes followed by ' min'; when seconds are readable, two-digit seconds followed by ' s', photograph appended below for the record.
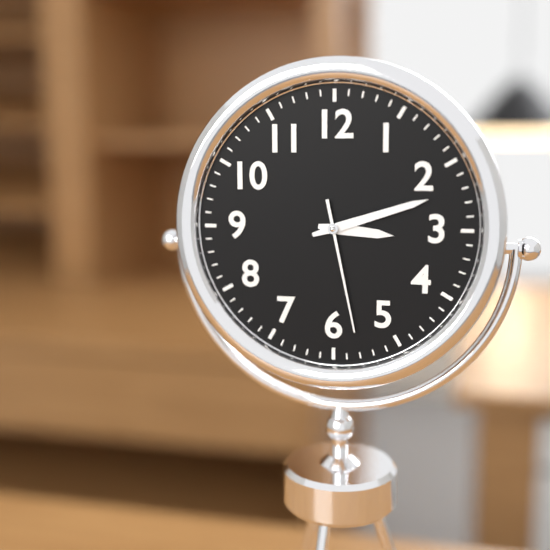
3 h 12 min 28 s
